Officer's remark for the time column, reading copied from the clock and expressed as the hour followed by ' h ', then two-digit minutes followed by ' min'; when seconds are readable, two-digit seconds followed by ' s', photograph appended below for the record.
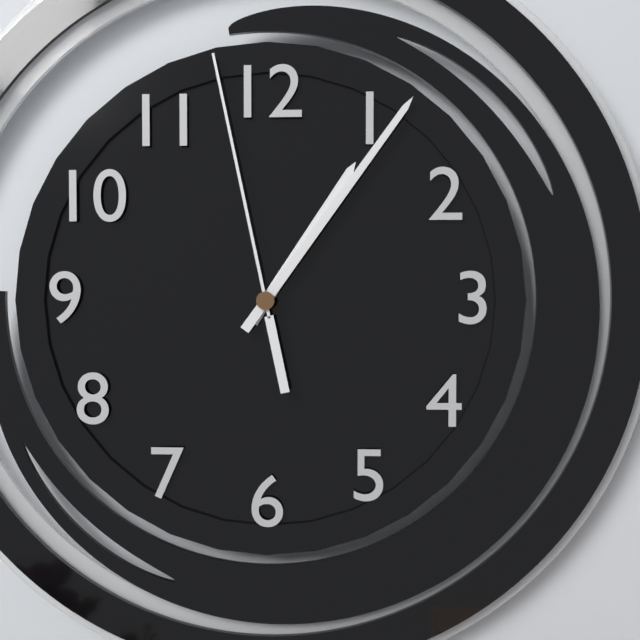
1 h 06 min 58 s
